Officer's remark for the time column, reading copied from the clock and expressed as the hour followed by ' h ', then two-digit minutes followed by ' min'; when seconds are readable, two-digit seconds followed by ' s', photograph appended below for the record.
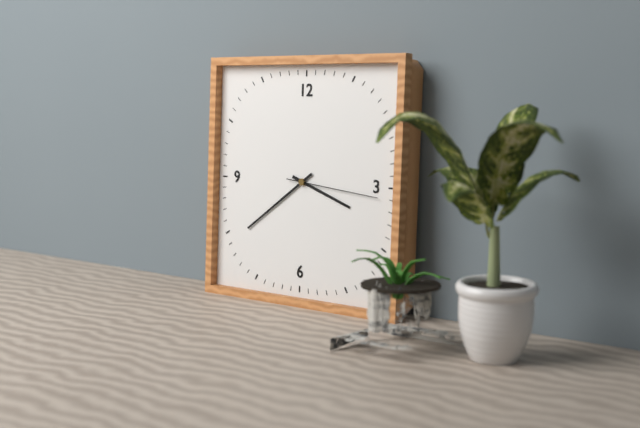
3 h 39 min 16 s
